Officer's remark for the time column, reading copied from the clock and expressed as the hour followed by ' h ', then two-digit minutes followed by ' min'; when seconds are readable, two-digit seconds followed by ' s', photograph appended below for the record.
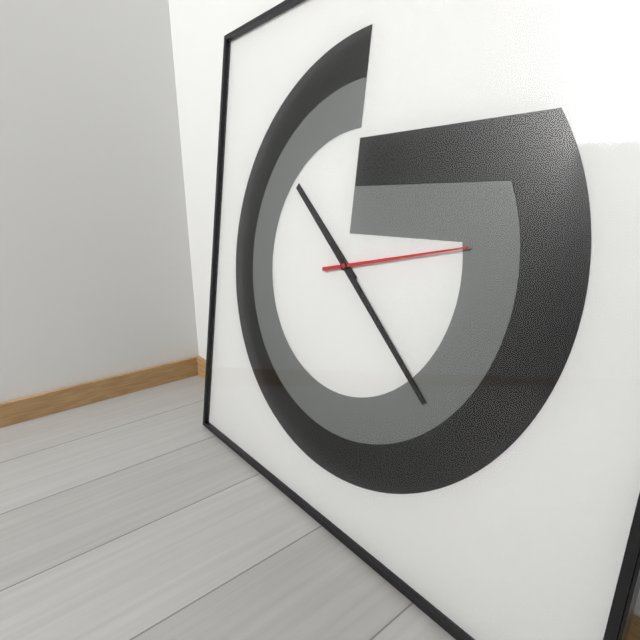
10 h 22 min 13 s
